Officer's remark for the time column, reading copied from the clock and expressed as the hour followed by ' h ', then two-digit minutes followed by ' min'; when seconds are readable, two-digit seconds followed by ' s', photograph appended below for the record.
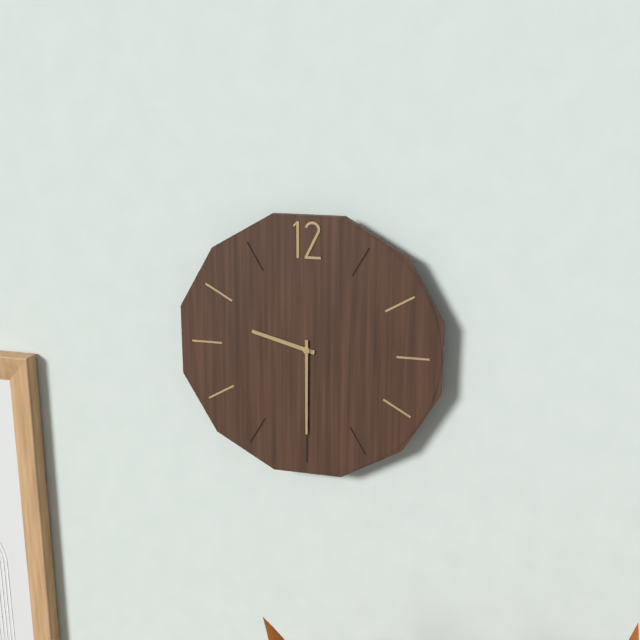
9 h 30 min
